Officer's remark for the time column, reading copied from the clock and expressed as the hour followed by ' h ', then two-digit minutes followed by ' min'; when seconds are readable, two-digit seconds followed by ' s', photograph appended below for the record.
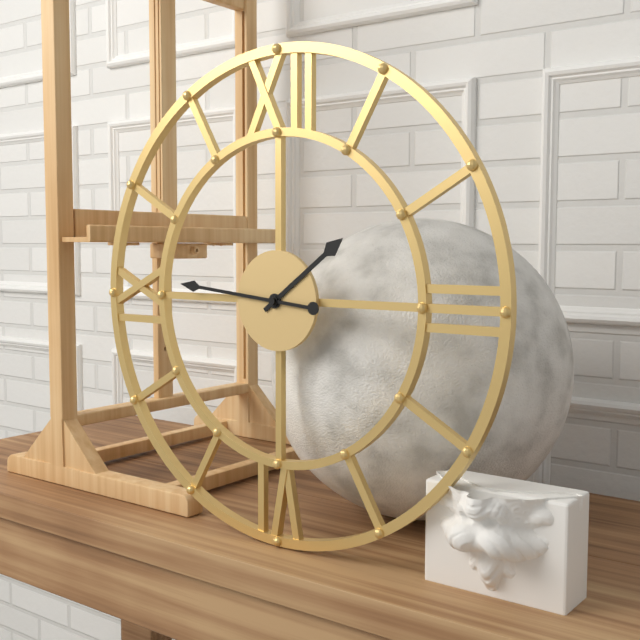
1 h 46 min
